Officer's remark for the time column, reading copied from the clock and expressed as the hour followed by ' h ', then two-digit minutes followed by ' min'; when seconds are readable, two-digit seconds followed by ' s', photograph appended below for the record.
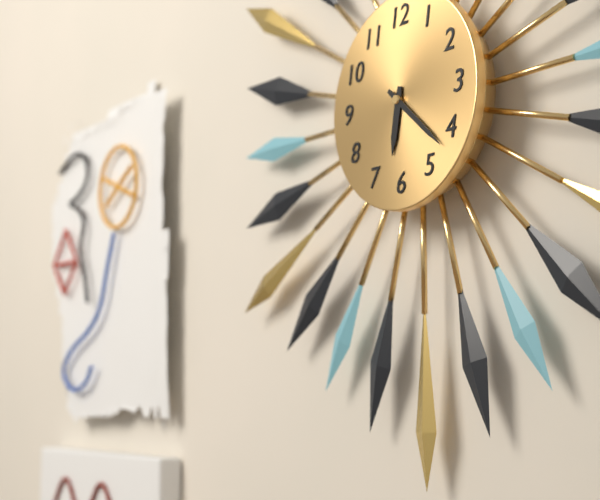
6 h 22 min
